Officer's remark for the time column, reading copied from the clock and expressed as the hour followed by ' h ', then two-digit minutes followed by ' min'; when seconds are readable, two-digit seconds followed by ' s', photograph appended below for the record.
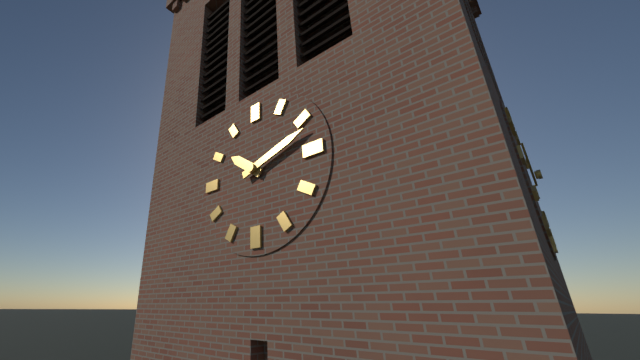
10 h 12 min
